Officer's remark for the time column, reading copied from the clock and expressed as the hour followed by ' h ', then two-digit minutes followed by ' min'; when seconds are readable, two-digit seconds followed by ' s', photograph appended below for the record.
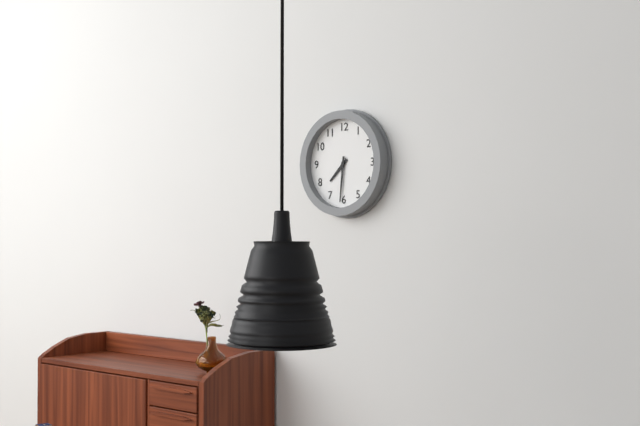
7 h 31 min
